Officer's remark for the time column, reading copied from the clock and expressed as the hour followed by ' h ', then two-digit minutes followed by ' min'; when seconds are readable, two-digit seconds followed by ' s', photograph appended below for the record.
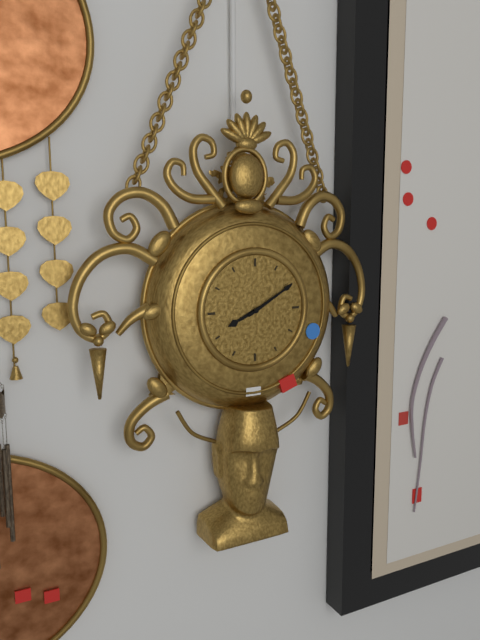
8 h 10 min
